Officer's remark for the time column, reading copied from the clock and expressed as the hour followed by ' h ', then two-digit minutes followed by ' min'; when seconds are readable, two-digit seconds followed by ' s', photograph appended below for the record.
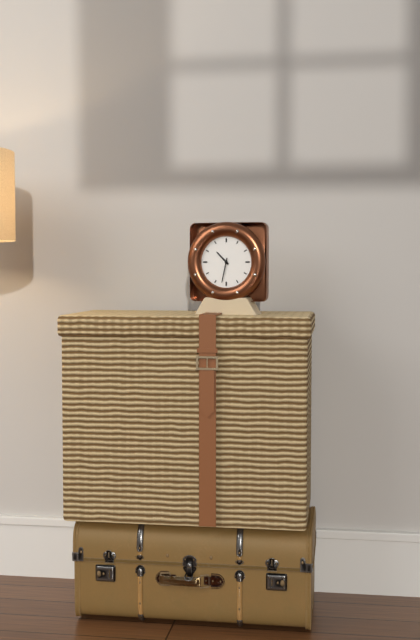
10 h 32 min
